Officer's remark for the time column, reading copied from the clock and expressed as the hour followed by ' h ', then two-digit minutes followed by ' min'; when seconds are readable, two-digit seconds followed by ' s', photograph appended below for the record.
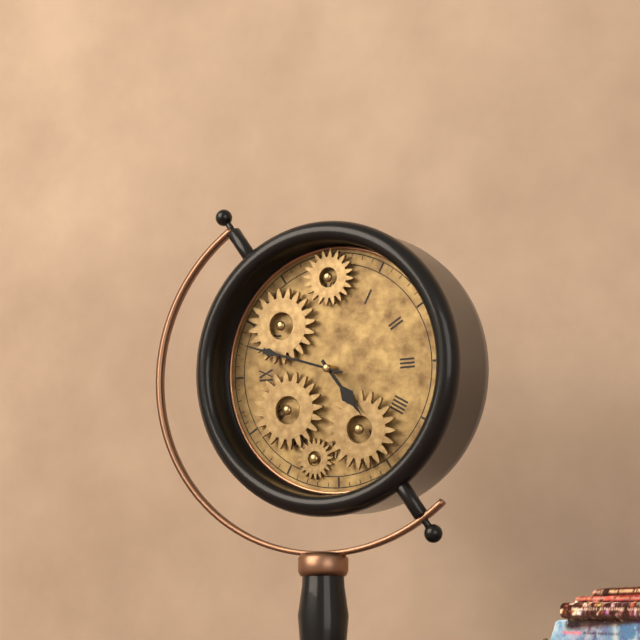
4 h 48 min
